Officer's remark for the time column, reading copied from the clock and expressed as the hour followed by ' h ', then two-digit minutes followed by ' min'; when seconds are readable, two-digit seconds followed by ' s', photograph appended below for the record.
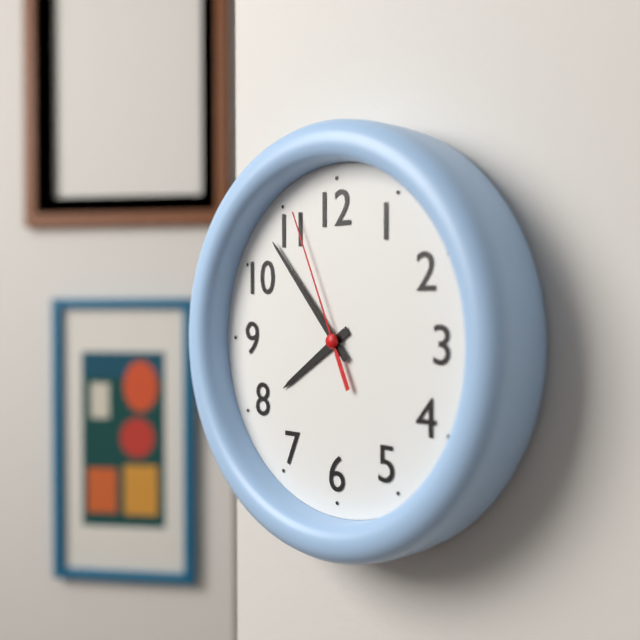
7 h 53 min 56 s
